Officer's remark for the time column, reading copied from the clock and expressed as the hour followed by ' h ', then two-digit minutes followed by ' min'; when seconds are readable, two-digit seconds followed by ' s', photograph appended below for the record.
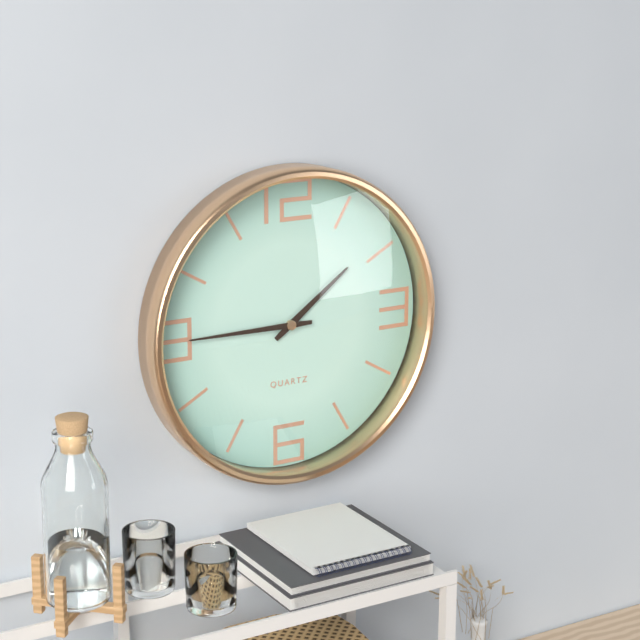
1 h 45 min
